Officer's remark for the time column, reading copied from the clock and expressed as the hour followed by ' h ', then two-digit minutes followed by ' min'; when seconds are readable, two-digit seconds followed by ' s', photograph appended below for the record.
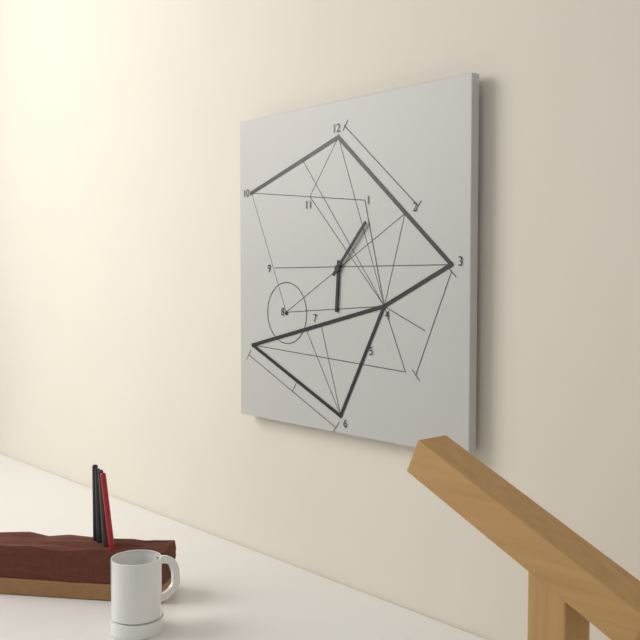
6 h 07 min
